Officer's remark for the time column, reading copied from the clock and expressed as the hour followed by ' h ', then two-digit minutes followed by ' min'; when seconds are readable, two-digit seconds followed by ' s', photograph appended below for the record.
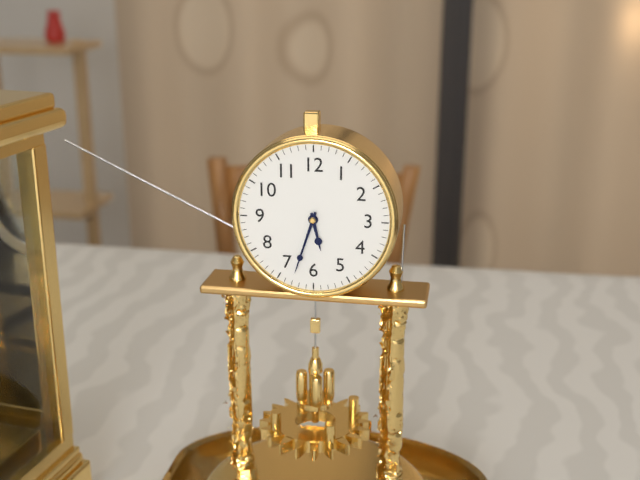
5 h 33 min
